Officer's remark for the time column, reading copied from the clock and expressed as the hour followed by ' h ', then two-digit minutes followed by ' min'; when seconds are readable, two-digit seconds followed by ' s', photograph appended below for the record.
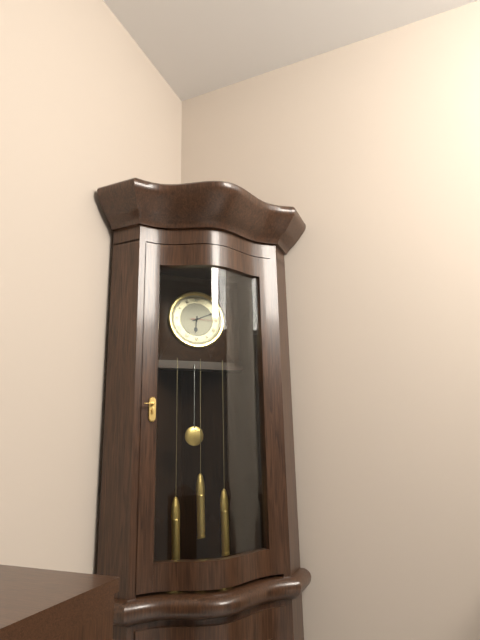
6 h 11 min
